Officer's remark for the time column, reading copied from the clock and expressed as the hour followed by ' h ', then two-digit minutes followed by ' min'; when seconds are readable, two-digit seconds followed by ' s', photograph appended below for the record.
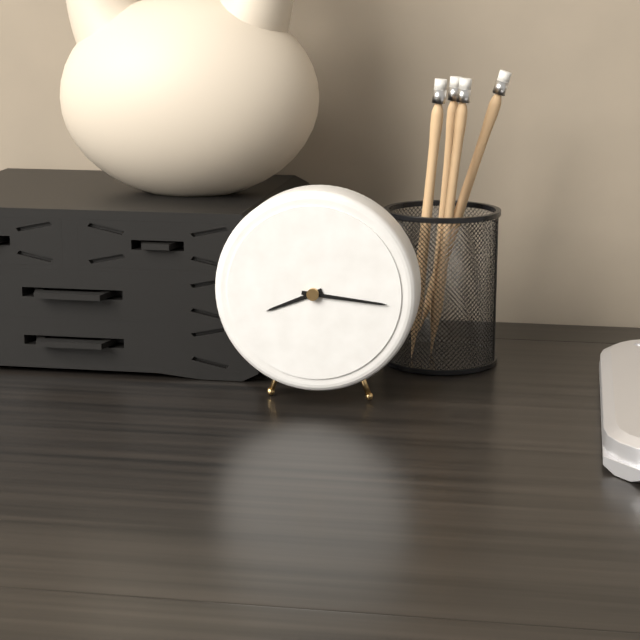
8 h 16 min
